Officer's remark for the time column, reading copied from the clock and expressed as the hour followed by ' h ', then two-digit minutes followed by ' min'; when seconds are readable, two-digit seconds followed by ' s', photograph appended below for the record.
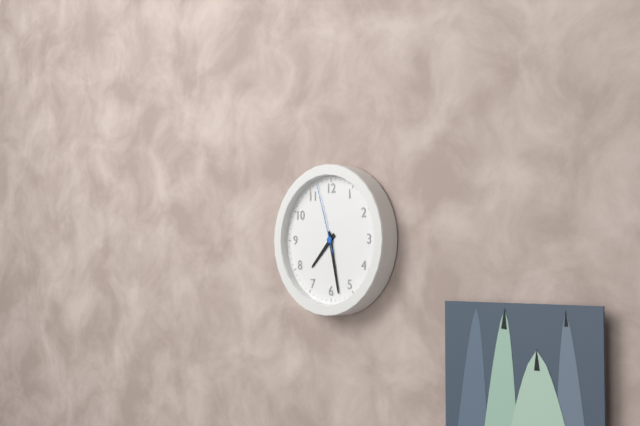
7 h 28 min 57 s
